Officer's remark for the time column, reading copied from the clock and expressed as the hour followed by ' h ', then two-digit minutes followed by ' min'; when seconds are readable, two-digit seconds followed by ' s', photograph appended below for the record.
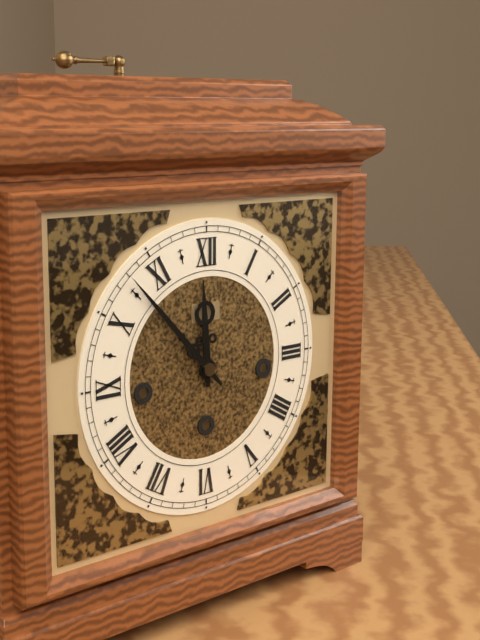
11 h 53 min
